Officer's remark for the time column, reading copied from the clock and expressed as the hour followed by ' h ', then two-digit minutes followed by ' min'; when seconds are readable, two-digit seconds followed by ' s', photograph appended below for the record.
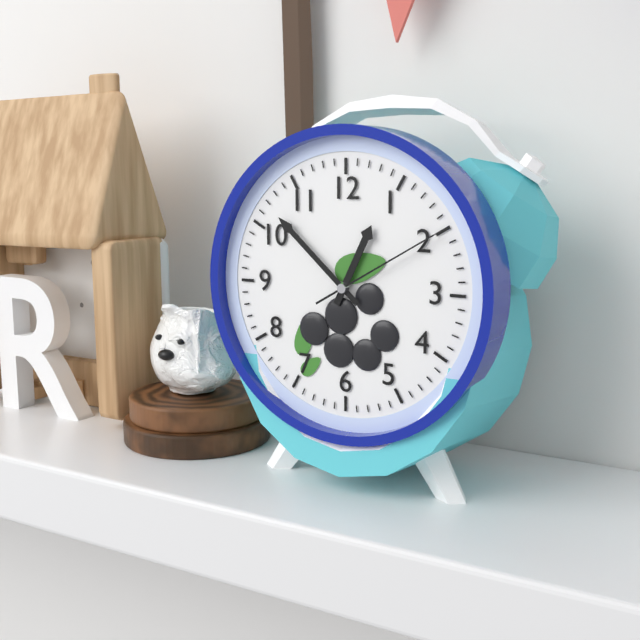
12 h 52 min 10 s
